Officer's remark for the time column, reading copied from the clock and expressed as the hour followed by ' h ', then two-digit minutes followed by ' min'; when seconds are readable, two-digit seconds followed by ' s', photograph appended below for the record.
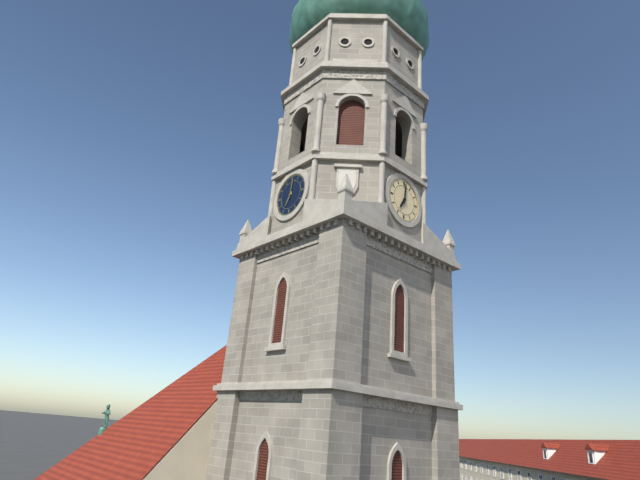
7 h 01 min
